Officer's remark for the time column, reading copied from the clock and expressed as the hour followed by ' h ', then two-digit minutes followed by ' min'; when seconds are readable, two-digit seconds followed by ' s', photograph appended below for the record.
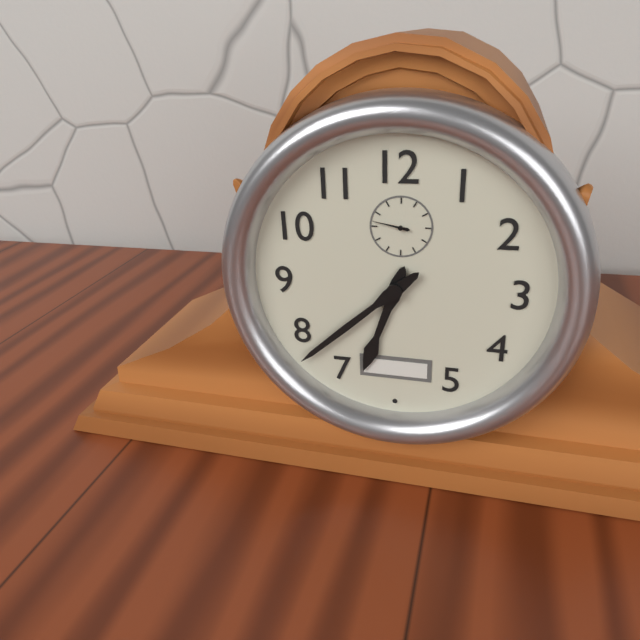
6 h 38 min
